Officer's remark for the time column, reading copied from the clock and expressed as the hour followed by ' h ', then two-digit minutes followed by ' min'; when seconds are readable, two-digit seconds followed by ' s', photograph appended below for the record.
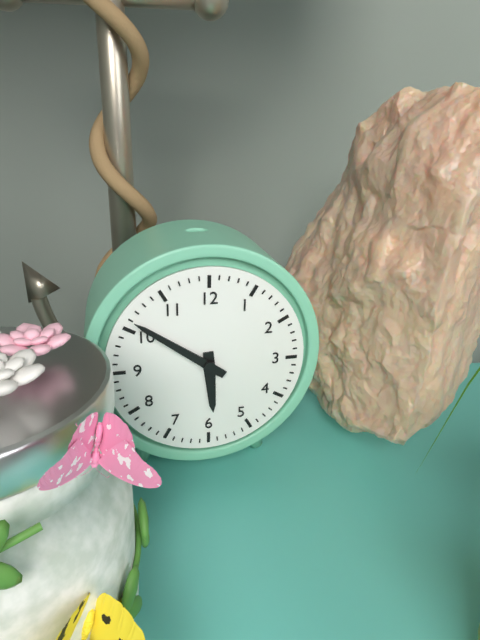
5 h 51 min
